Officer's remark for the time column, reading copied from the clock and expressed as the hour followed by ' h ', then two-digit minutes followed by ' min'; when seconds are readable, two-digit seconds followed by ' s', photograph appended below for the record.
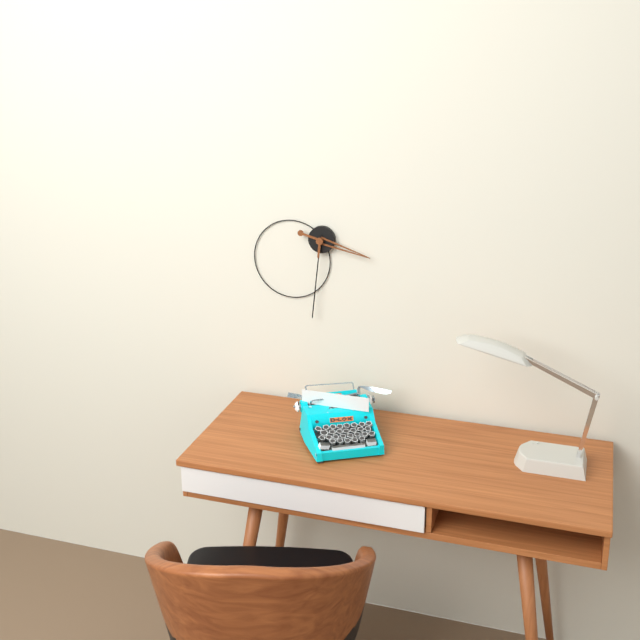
3 h 31 min
